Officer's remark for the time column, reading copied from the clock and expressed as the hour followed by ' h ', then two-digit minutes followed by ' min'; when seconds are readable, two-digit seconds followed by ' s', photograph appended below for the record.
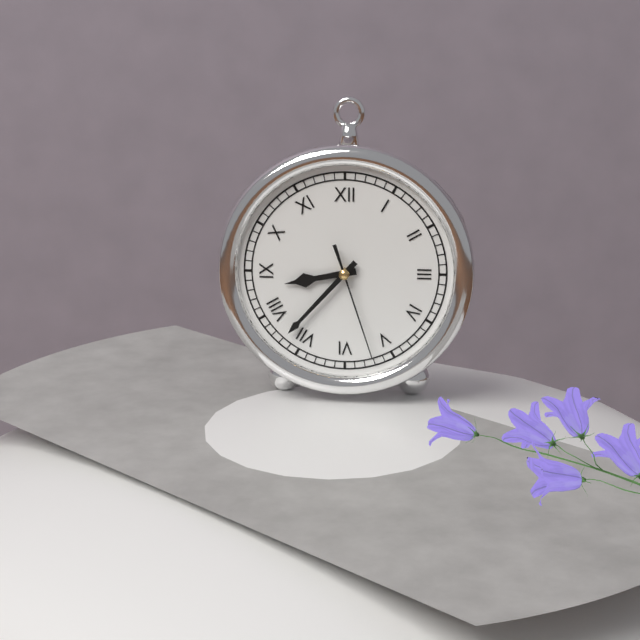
8 h 37 min 27 s
